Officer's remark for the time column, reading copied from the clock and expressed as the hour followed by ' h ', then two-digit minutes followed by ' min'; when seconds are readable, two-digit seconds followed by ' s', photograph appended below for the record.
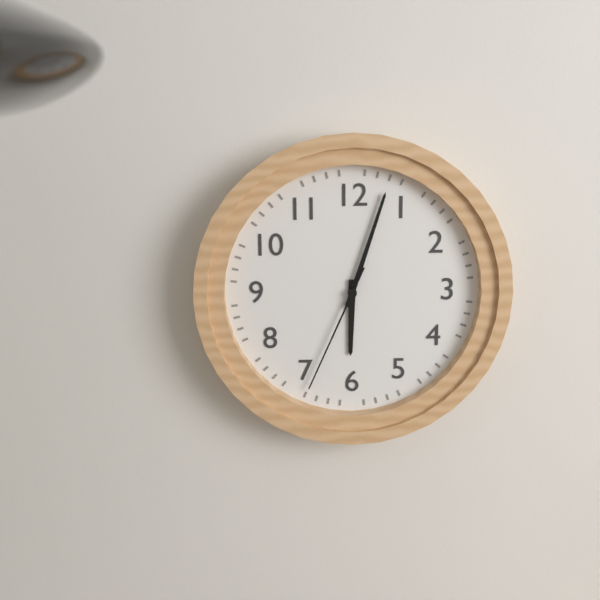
6 h 03 min 34 s
